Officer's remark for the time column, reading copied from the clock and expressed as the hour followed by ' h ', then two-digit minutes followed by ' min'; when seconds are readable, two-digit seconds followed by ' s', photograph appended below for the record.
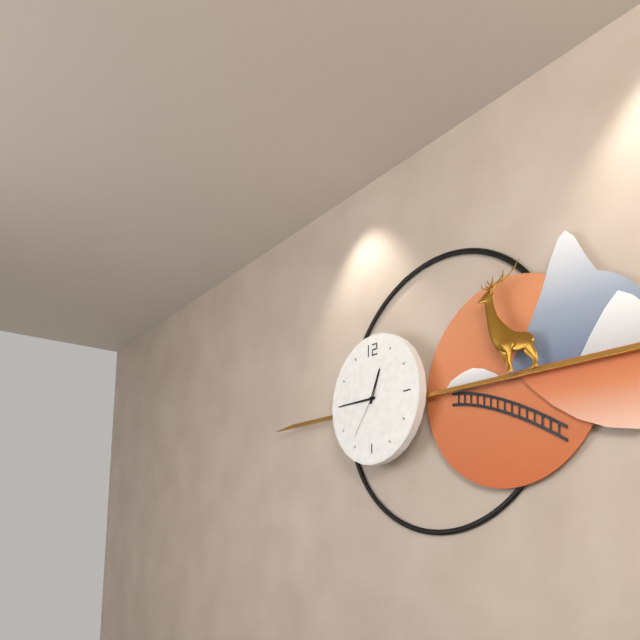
12 h 45 min 36 s
